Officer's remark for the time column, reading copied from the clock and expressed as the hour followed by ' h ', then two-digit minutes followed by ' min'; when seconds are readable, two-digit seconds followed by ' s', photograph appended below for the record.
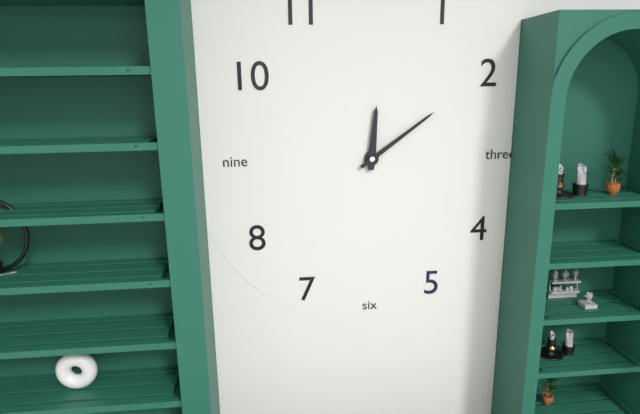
12 h 09 min
